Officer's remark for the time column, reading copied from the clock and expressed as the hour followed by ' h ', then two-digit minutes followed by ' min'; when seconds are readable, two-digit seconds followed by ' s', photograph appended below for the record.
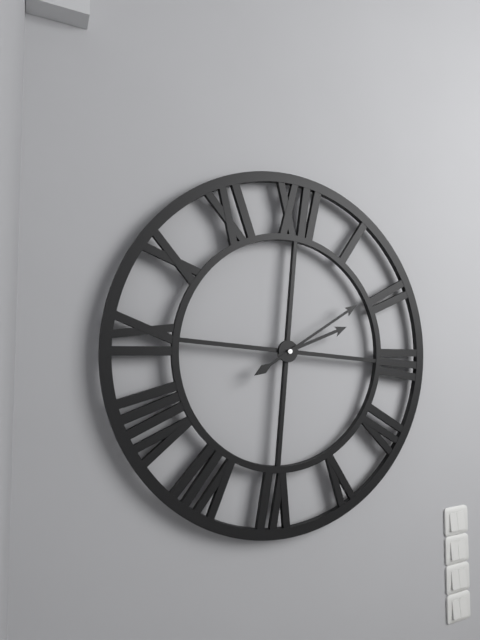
2 h 09 min
